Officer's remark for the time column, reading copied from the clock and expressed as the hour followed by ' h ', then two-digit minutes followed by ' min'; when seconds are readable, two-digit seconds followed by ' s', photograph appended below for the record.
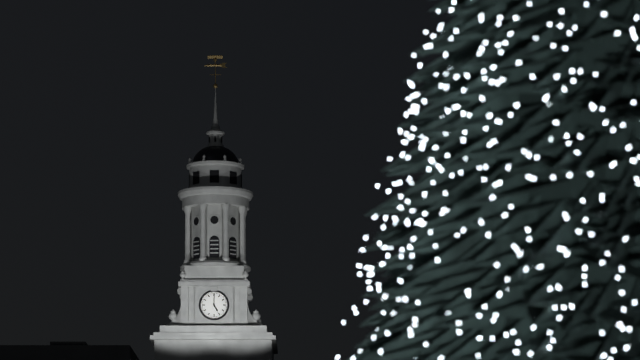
5 h 00 min
